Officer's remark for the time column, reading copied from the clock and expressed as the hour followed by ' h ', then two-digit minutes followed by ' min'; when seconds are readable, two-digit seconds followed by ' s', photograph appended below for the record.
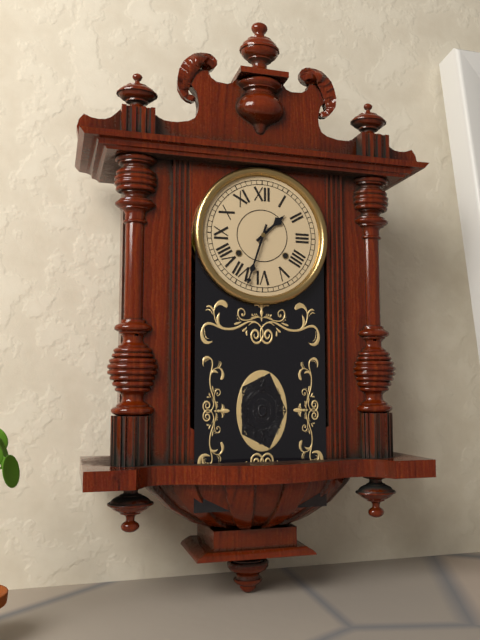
1 h 33 min
